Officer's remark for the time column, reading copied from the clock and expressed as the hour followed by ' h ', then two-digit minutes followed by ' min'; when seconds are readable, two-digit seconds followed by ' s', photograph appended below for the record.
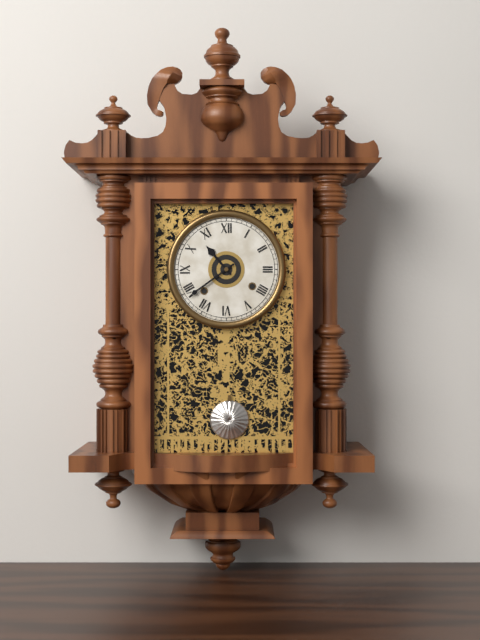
10 h 39 min
